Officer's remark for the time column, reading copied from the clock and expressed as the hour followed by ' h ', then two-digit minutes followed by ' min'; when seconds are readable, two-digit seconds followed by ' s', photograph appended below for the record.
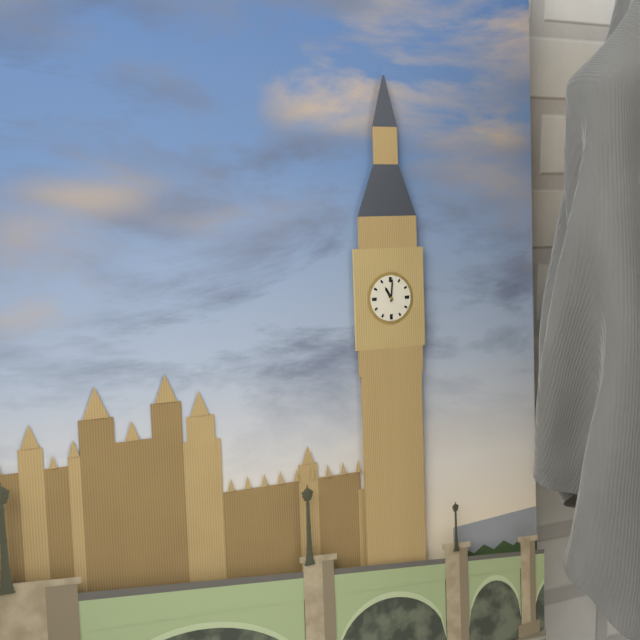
11 h 01 min
